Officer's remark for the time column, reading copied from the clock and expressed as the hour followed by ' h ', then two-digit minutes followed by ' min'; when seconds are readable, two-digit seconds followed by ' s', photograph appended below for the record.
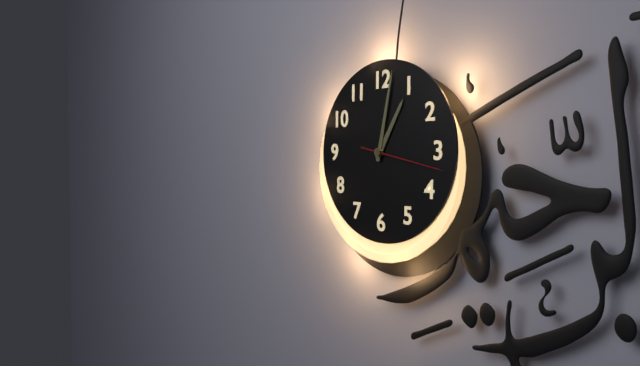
1 h 02 min 17 s
